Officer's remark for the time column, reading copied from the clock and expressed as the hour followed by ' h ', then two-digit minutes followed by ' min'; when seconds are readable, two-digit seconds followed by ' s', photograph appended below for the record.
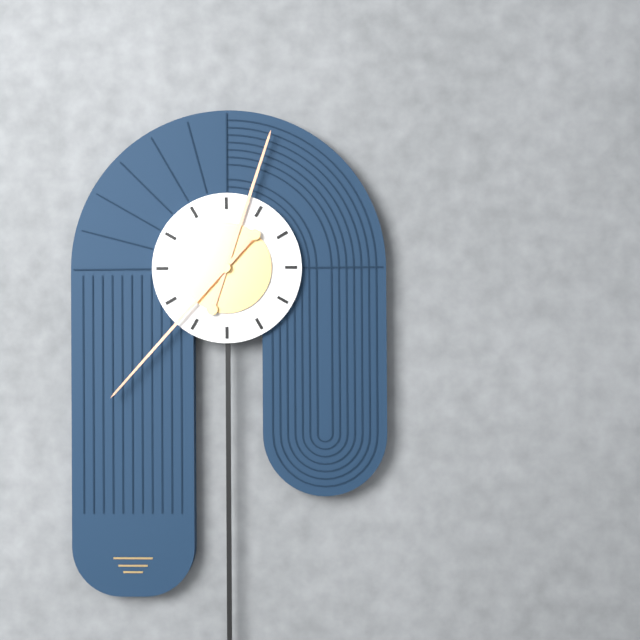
12 h 37 min
